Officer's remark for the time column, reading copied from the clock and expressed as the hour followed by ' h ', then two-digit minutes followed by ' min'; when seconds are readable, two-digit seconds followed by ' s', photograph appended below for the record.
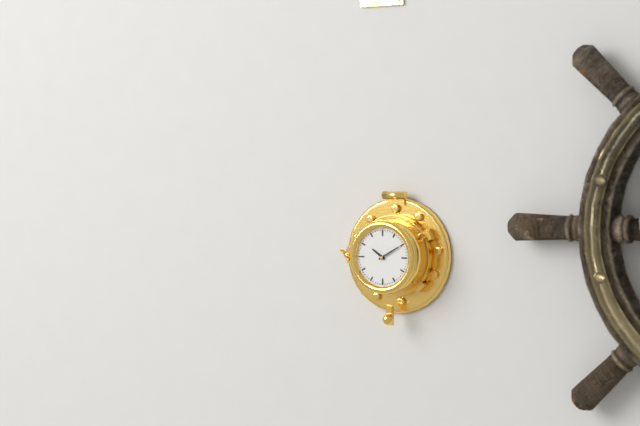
10 h 10 min
